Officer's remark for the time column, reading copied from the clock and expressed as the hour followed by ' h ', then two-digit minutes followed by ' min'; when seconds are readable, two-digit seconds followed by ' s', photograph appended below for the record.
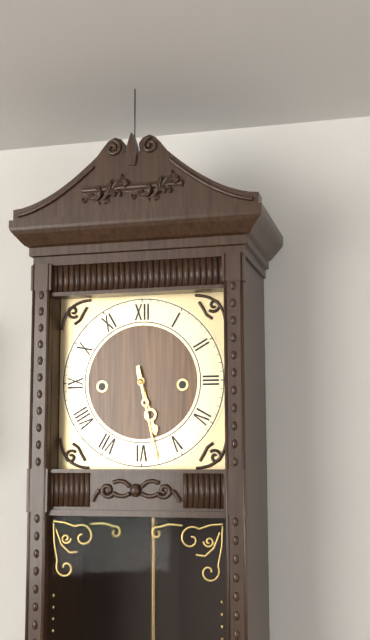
5 h 28 min
